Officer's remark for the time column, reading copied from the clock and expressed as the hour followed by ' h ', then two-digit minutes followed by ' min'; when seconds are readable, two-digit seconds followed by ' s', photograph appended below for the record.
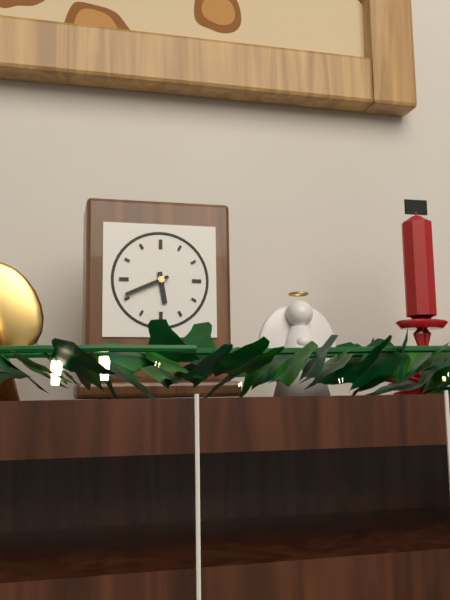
5 h 41 min
